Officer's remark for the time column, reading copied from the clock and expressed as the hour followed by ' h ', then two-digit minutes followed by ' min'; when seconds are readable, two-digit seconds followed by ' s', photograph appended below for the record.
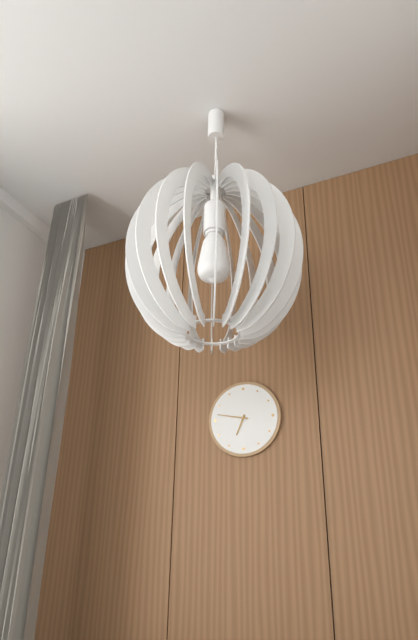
6 h 47 min
